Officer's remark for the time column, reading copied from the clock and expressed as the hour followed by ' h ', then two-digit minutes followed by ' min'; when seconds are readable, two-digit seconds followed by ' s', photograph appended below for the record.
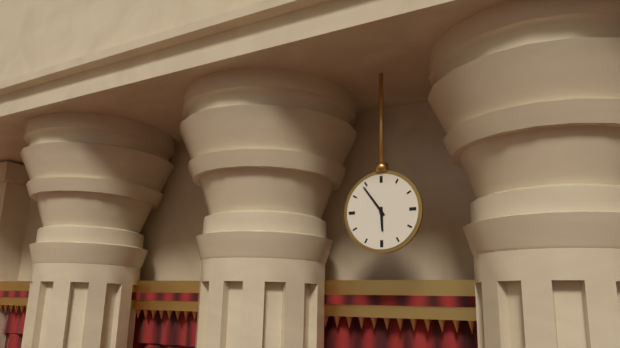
5 h 54 min
